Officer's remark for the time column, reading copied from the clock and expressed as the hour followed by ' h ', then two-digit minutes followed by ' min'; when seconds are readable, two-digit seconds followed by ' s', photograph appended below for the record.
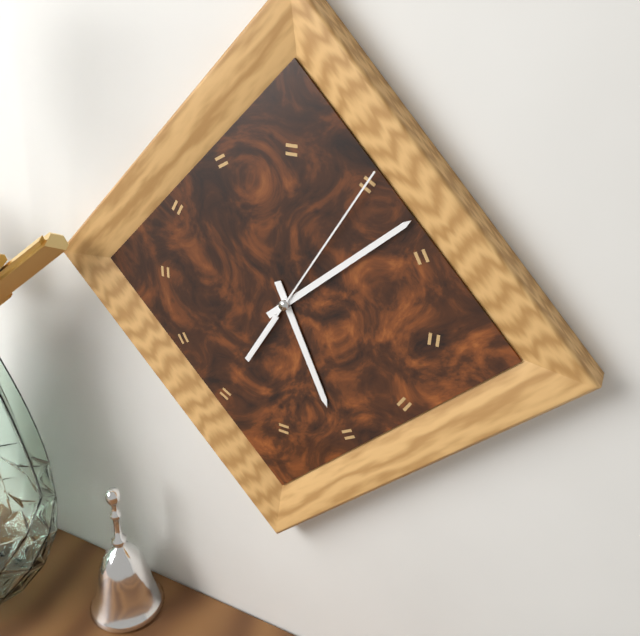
5 h 08 min 05 s
